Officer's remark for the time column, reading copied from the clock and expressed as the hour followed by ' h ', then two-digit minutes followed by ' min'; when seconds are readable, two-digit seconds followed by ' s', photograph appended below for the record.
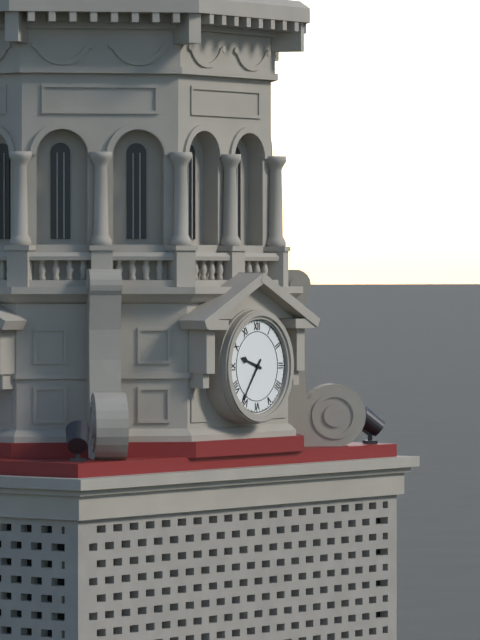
9 h 36 min
